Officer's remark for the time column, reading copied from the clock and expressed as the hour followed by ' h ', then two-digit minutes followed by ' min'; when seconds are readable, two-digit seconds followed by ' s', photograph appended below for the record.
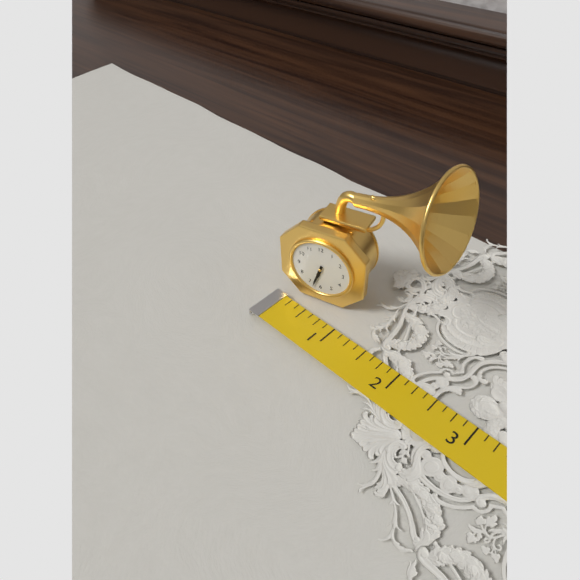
6 h 33 min
